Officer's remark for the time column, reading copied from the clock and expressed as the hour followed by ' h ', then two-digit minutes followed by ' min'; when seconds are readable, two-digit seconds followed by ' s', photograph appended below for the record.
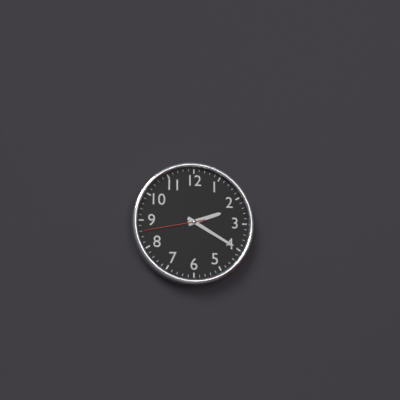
2 h 20 min 43 s
